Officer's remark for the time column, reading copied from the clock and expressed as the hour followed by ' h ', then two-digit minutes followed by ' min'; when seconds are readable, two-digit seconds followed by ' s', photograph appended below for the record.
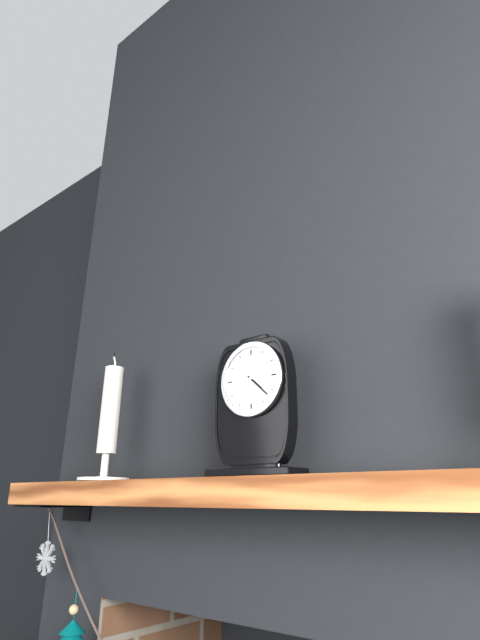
4 h 22 min
